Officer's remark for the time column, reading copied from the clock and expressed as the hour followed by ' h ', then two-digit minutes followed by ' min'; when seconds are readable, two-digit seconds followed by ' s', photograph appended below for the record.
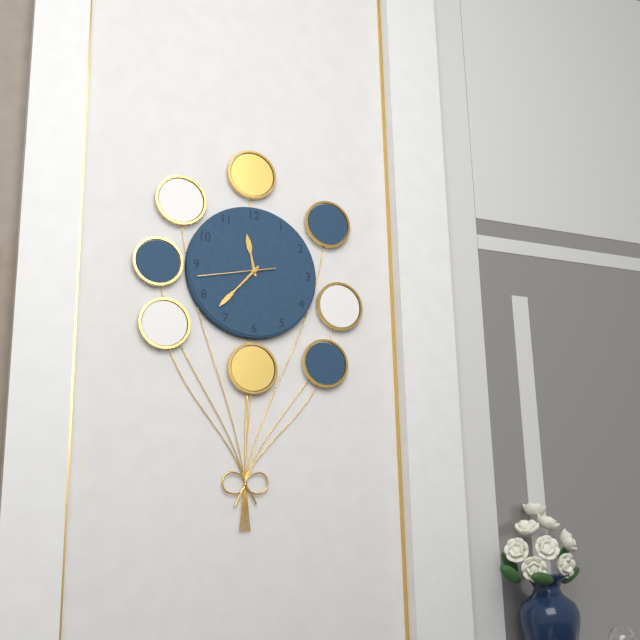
11 h 37 min 43 s
